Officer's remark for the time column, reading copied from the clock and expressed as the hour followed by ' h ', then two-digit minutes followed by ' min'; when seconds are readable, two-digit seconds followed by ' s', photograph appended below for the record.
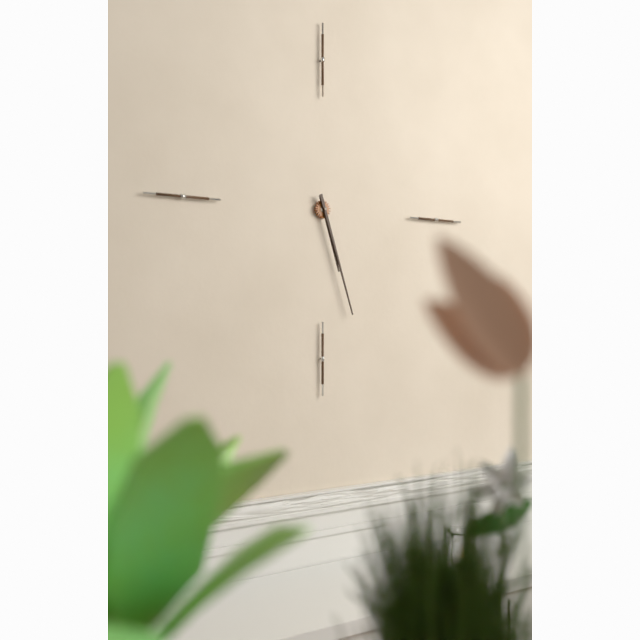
5 h 27 min
